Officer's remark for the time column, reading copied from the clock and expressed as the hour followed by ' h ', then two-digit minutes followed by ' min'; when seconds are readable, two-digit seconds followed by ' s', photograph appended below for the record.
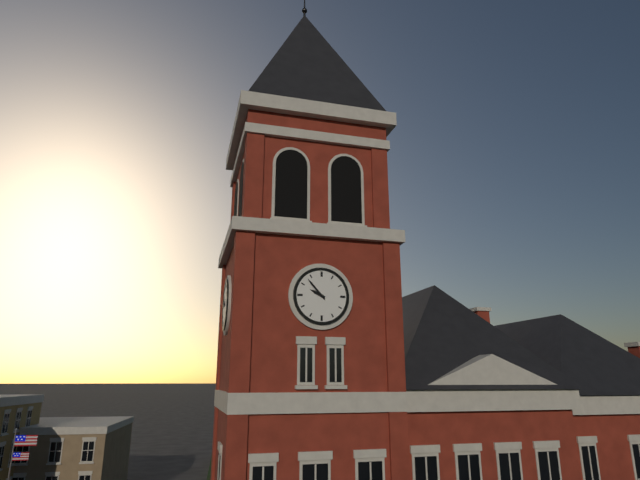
9 h 53 min
